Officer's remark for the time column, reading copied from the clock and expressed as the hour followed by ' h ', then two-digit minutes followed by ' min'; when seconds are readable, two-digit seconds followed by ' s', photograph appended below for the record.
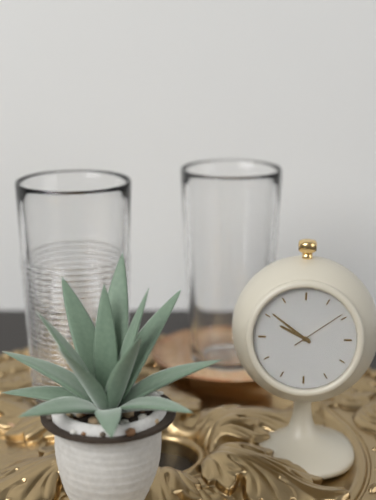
9 h 51 min 09 s
